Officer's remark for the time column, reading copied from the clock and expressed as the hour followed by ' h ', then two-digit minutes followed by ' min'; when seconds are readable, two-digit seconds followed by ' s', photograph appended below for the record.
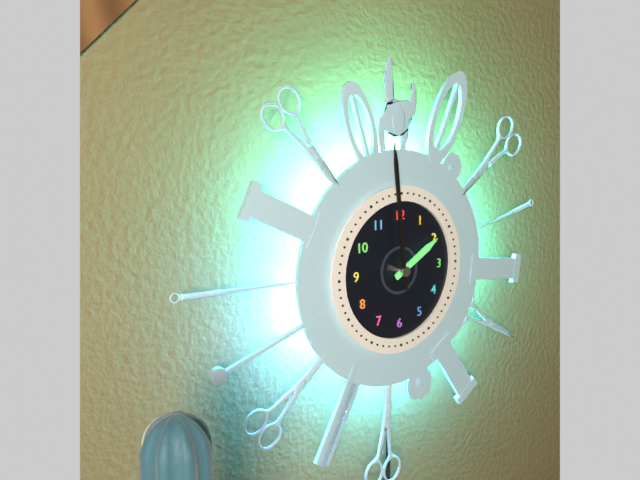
1 h 59 min
